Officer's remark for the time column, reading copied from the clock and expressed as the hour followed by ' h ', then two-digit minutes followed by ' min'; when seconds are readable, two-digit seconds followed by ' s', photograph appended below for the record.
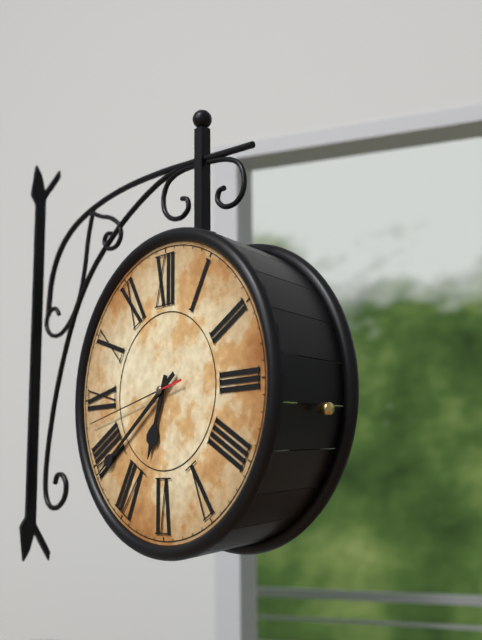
6 h 39 min 43 s
